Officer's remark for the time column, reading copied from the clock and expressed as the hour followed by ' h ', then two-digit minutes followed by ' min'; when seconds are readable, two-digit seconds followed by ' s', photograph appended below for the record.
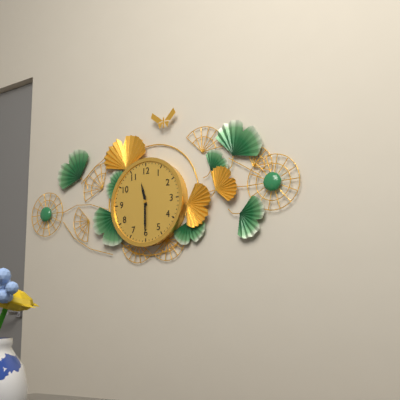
11 h 30 min
